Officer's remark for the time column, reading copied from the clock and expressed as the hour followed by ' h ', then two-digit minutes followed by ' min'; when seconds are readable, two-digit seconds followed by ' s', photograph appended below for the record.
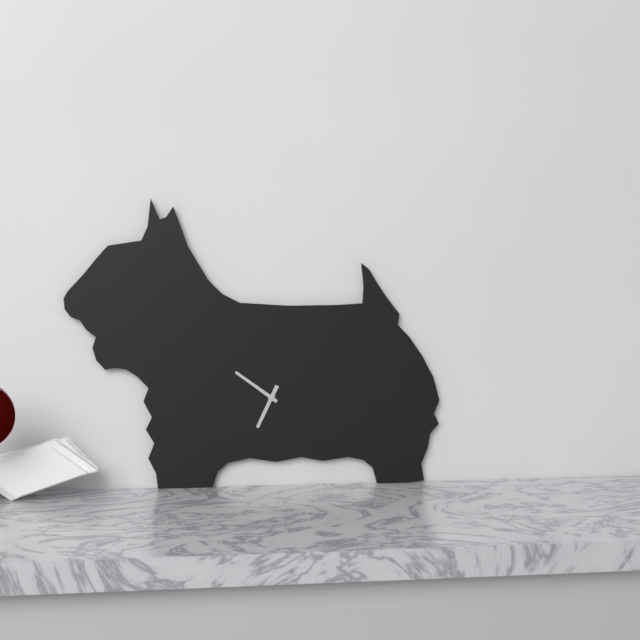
6 h 51 min
